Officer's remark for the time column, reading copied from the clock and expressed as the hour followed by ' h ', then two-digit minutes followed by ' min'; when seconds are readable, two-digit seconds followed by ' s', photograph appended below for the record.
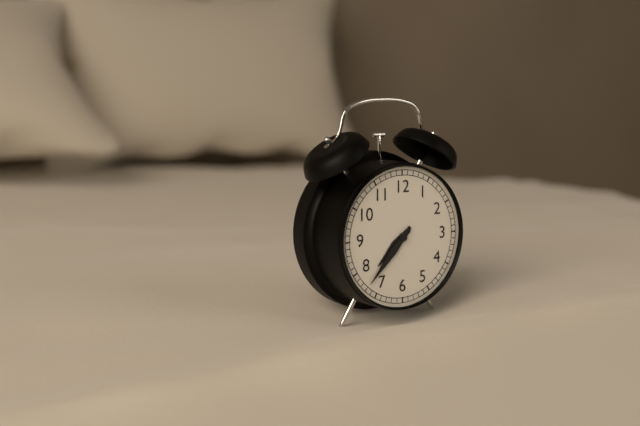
7 h 37 min
